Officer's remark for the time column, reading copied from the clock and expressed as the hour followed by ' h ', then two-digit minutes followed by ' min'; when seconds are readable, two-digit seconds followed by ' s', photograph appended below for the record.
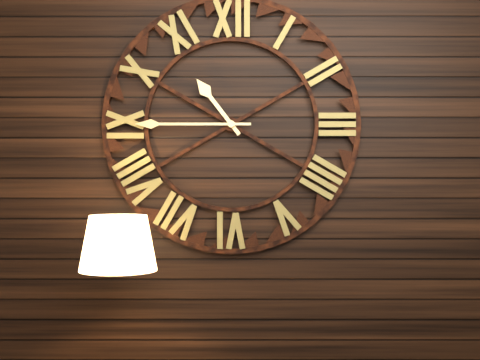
10 h 45 min
